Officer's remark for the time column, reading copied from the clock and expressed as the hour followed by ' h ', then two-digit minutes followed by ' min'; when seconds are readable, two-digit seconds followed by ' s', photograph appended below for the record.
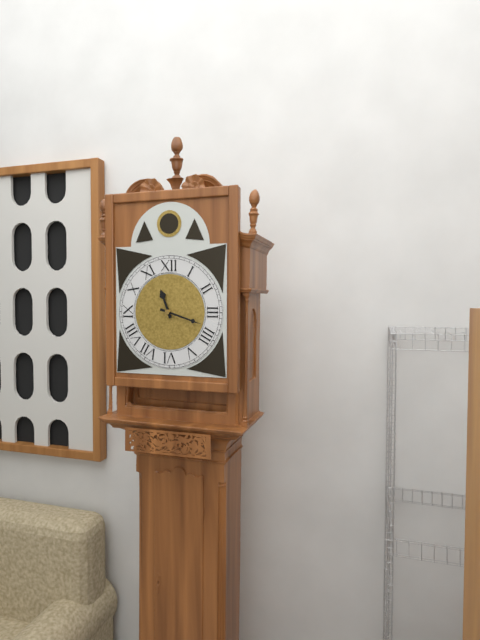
11 h 18 min
